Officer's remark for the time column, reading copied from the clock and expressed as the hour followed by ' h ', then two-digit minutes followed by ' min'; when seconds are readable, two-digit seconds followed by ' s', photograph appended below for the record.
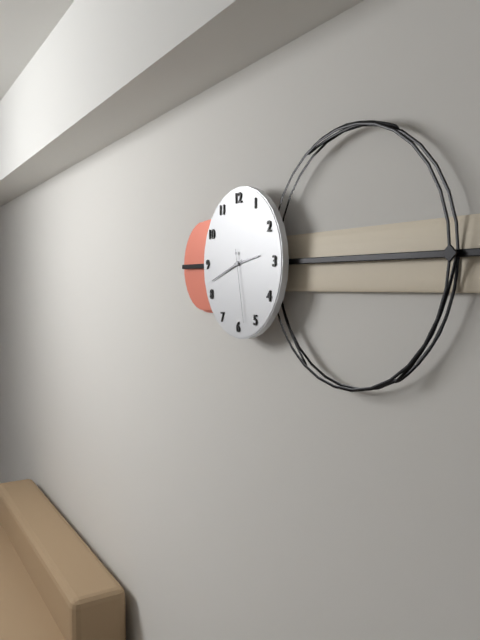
2 h 42 min 28 s
